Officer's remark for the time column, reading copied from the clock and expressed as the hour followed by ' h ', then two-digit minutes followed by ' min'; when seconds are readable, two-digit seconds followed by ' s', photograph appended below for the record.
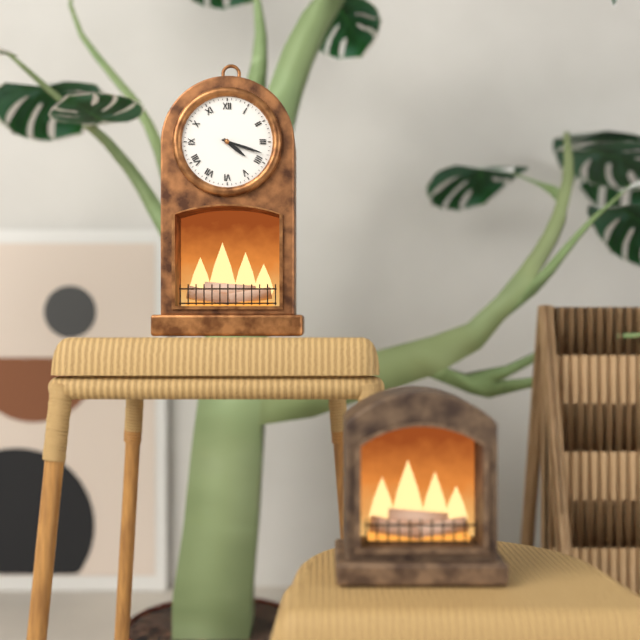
4 h 18 min
